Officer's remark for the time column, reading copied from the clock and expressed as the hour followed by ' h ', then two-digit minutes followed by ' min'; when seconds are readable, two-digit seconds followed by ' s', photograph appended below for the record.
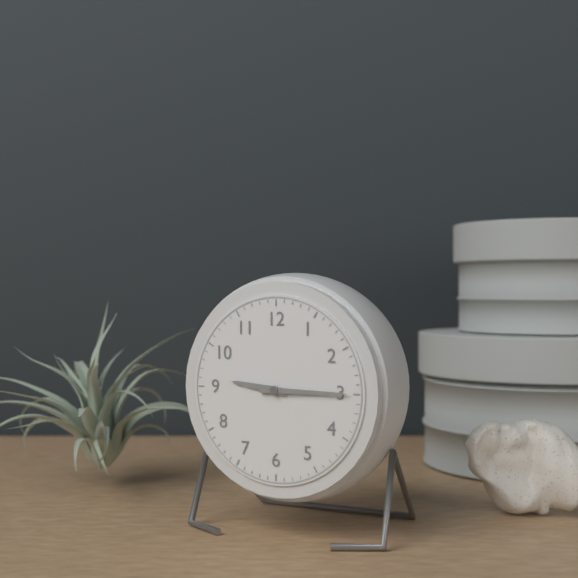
9 h 15 min
